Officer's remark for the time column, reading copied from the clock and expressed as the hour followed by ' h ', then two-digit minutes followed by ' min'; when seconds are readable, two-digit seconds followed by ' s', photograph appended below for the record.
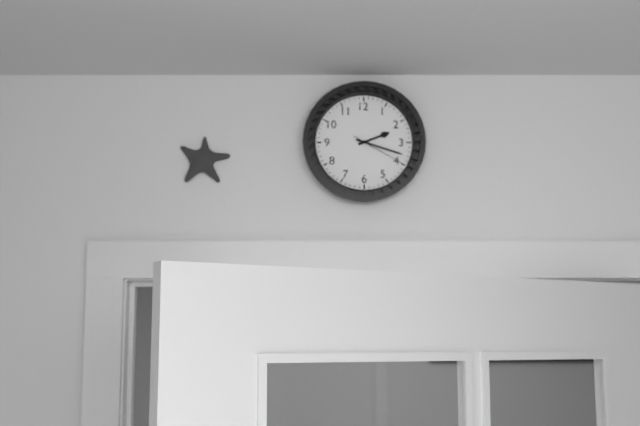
2 h 18 min 20 s
